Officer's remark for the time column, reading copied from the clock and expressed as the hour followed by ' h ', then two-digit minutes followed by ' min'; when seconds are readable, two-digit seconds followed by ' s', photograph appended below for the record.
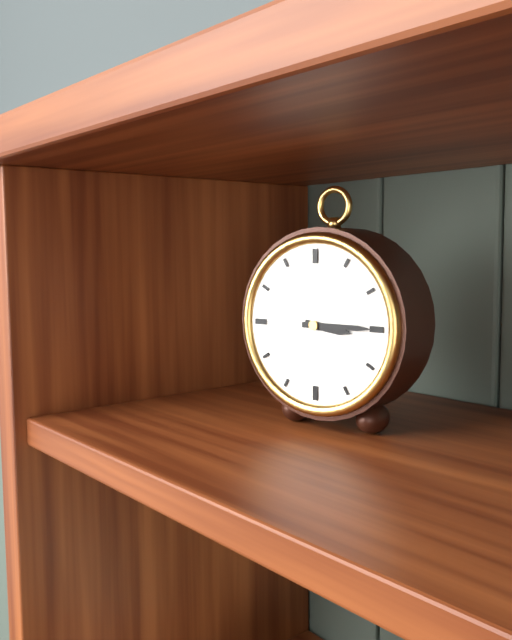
3 h 15 min
